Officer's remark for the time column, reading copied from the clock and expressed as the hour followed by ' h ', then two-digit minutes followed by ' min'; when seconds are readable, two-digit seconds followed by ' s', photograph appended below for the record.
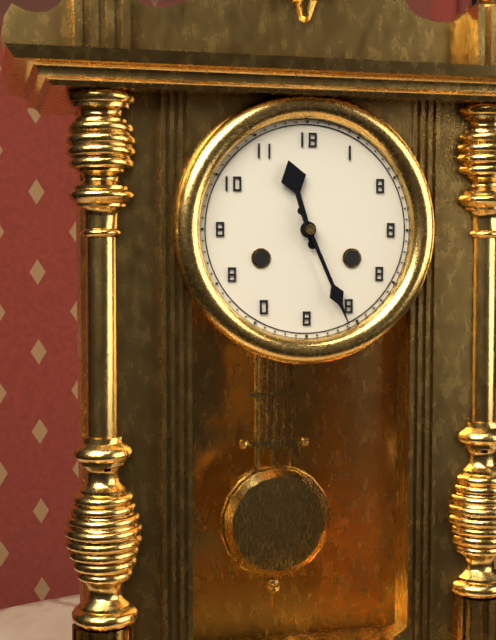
11 h 26 min
